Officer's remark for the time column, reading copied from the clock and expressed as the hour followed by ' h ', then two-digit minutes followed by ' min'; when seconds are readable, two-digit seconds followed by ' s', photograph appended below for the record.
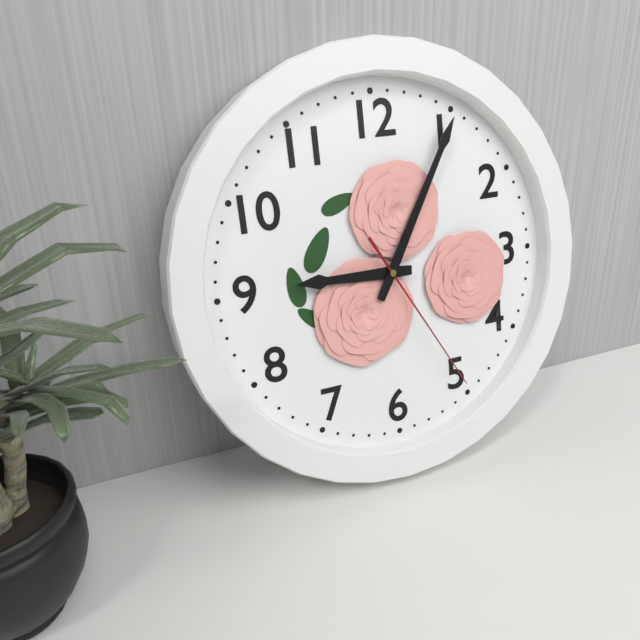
9 h 05 min 25 s
